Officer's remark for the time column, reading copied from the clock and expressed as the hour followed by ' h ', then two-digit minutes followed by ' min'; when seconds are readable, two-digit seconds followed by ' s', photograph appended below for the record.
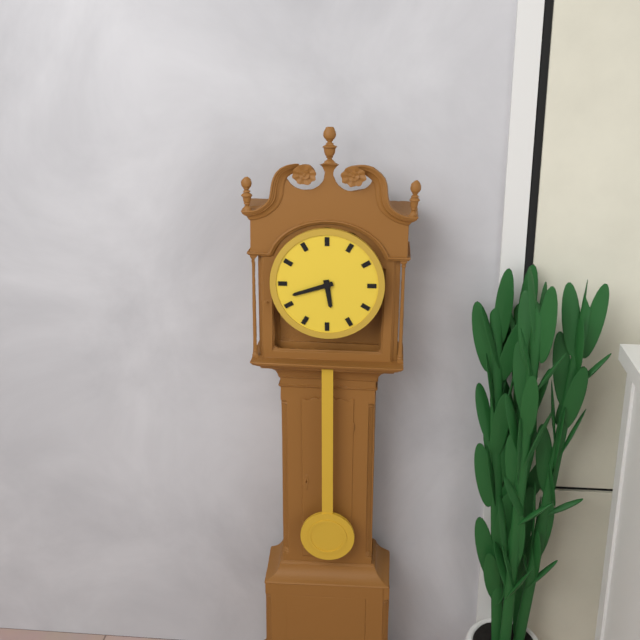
5 h 42 min
